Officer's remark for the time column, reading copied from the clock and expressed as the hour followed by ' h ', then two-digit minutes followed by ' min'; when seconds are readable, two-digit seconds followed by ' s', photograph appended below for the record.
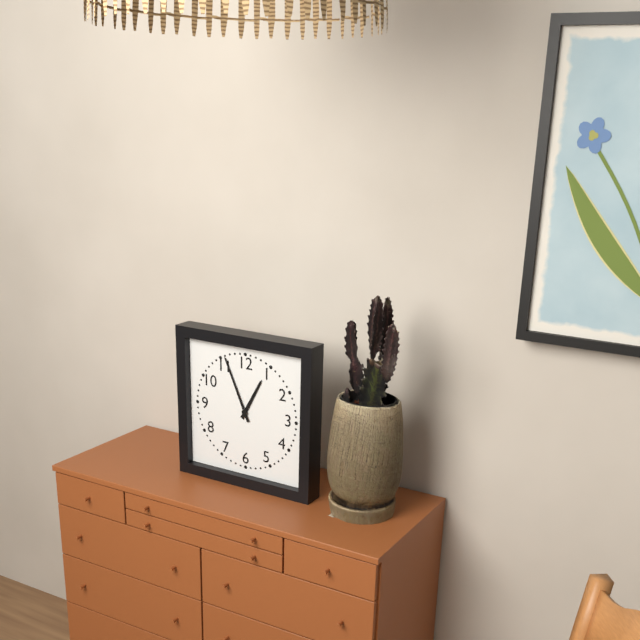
12 h 56 min
